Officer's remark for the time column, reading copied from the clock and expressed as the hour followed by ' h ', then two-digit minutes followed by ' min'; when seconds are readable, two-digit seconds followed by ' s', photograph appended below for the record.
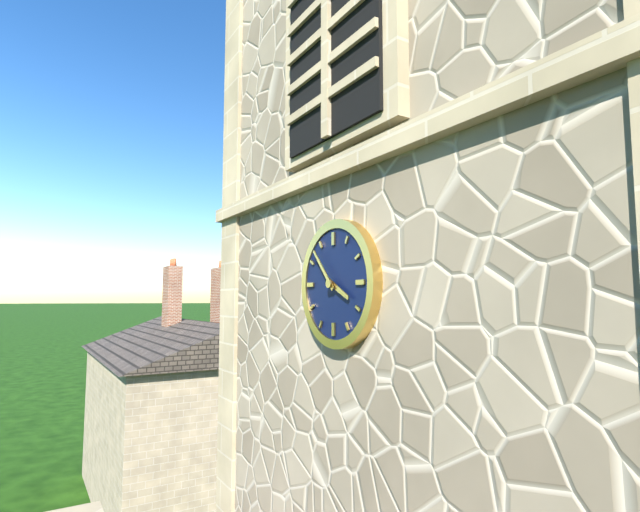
3 h 53 min
